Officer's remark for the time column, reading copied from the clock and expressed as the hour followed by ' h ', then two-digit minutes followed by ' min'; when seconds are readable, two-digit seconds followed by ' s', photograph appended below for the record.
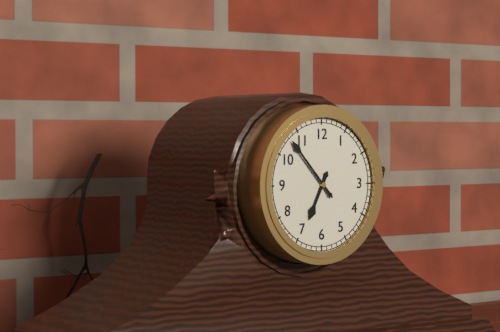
6 h 53 min
